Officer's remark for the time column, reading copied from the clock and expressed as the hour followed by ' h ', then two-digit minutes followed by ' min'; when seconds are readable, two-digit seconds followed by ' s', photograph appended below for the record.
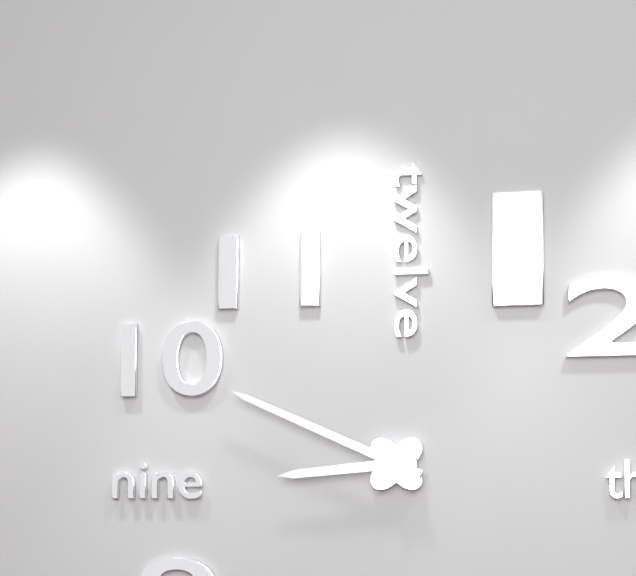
8 h 49 min
